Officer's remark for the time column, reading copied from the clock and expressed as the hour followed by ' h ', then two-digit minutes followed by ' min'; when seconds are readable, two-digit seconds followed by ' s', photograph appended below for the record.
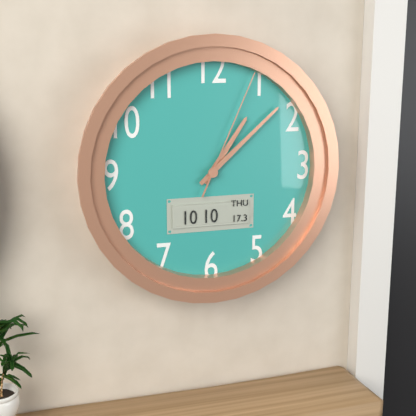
1 h 08 min 04 s
